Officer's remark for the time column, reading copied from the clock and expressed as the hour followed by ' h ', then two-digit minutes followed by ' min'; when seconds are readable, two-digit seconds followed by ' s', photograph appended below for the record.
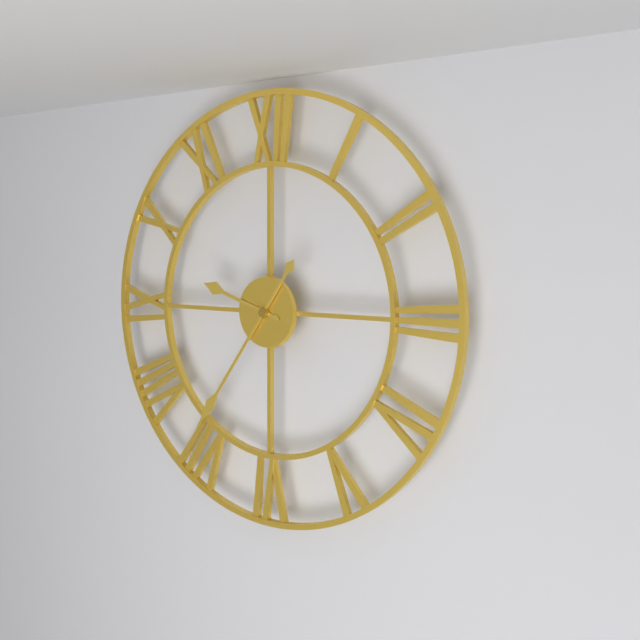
9 h 36 min
